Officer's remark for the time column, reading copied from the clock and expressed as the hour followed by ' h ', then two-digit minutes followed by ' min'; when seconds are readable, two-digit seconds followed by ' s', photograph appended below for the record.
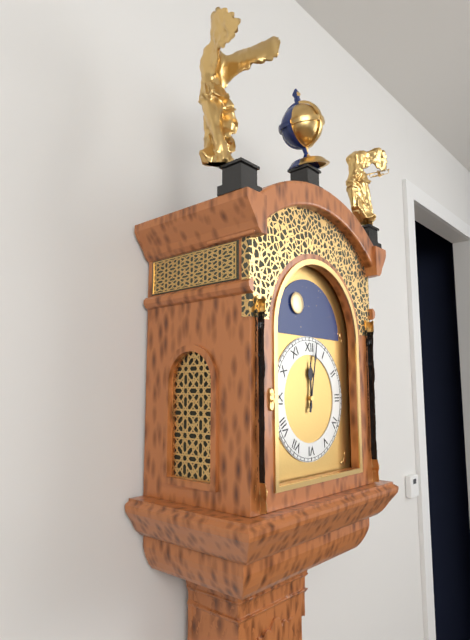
12 h 02 min
